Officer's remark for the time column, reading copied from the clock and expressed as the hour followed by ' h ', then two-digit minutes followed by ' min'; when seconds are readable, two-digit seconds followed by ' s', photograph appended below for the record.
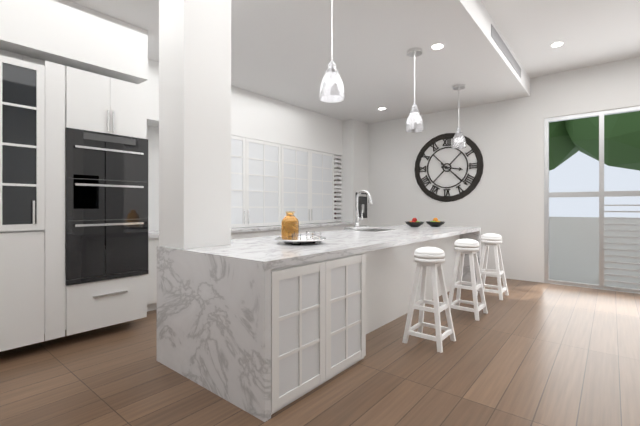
3 h 22 min
